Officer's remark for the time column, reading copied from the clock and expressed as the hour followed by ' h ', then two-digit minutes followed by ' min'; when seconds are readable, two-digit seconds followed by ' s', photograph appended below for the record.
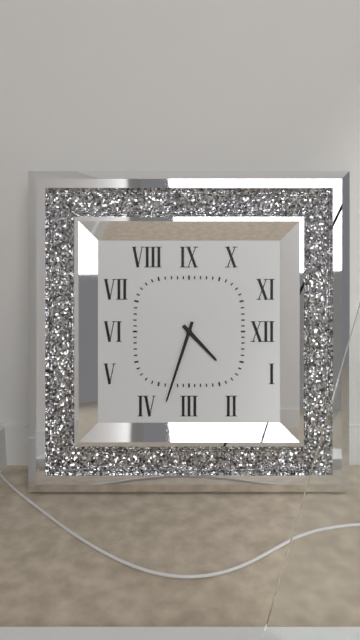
4 h 33 min
